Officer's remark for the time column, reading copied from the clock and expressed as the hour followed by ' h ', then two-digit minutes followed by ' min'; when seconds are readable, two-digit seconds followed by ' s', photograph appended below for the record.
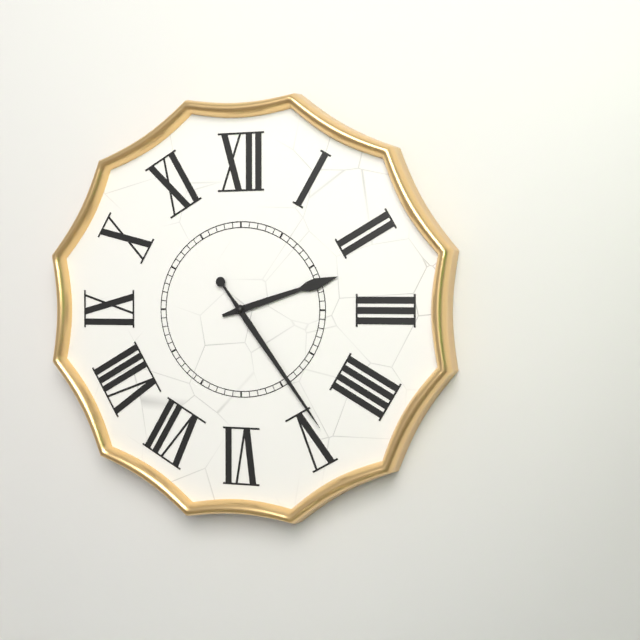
2 h 24 min
